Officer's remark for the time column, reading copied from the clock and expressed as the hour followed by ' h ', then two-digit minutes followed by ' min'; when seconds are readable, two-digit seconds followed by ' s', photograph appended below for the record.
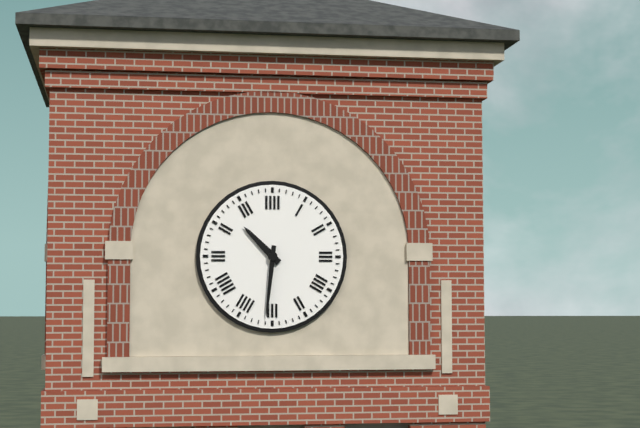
10 h 31 min
